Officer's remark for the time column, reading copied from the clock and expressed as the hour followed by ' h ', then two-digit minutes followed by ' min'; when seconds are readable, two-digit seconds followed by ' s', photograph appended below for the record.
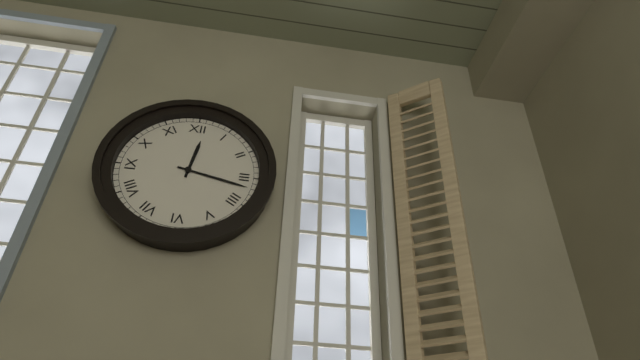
12 h 17 min
